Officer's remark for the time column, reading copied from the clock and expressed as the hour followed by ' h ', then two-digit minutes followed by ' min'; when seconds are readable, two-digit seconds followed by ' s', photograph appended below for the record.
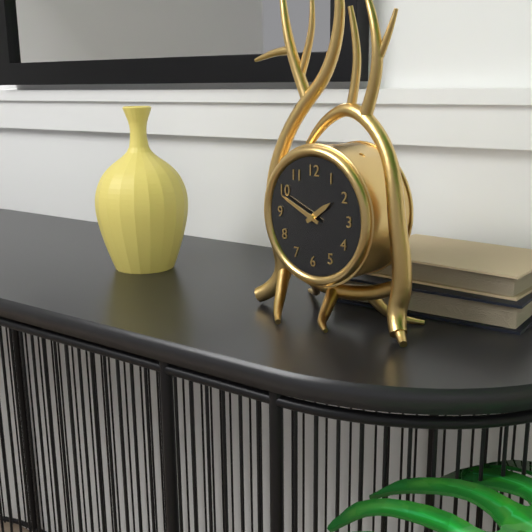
1 h 49 min
